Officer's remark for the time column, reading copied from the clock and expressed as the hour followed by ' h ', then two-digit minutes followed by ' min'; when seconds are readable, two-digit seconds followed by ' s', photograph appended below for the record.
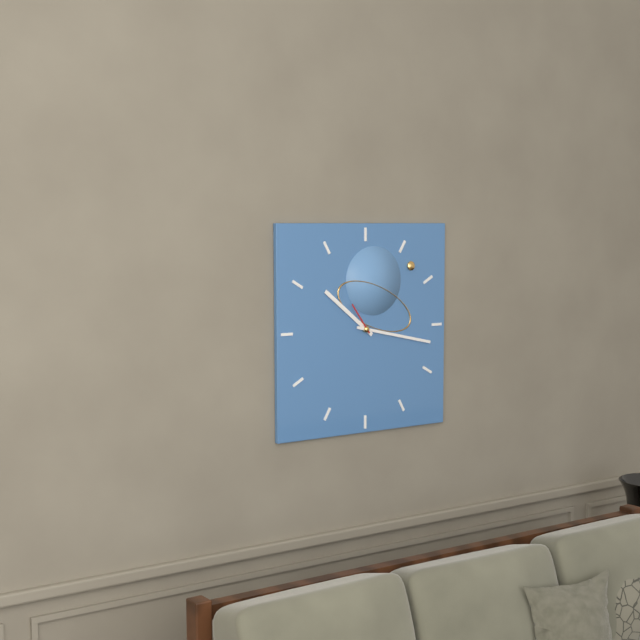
10 h 17 min
